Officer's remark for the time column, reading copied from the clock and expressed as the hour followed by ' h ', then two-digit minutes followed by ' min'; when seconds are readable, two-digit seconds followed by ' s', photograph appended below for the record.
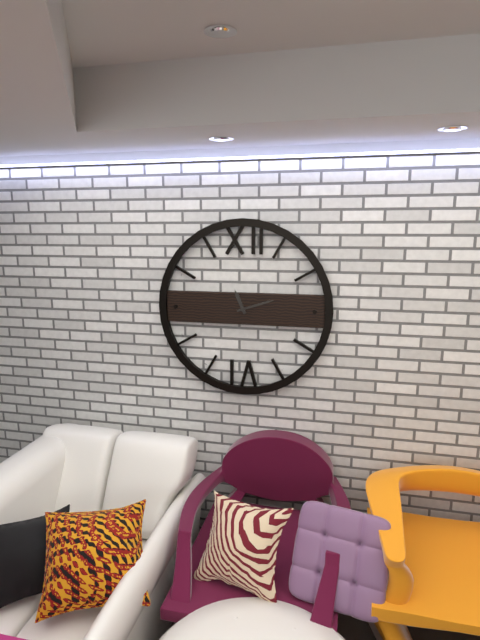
11 h 12 min
